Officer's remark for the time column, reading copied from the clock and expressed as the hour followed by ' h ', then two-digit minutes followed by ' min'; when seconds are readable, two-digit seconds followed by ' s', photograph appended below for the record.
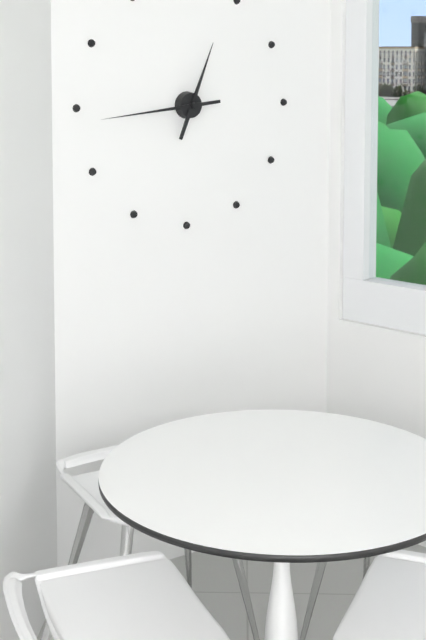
12 h 44 min
